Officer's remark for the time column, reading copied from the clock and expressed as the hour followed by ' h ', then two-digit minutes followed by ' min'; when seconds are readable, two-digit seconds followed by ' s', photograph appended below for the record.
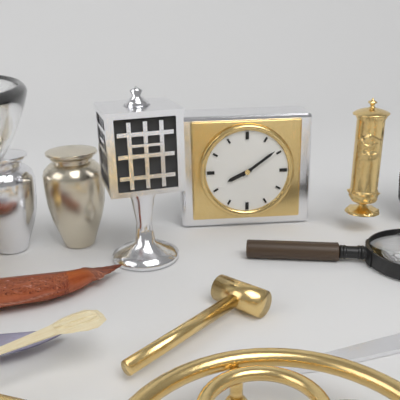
8 h 09 min
